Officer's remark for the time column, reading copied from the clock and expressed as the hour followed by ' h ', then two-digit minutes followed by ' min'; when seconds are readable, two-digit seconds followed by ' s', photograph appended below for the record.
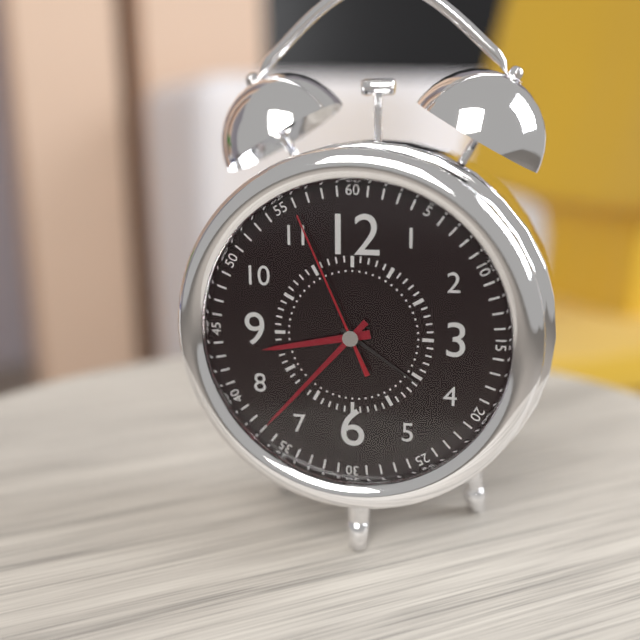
8 h 37 min 56 s
